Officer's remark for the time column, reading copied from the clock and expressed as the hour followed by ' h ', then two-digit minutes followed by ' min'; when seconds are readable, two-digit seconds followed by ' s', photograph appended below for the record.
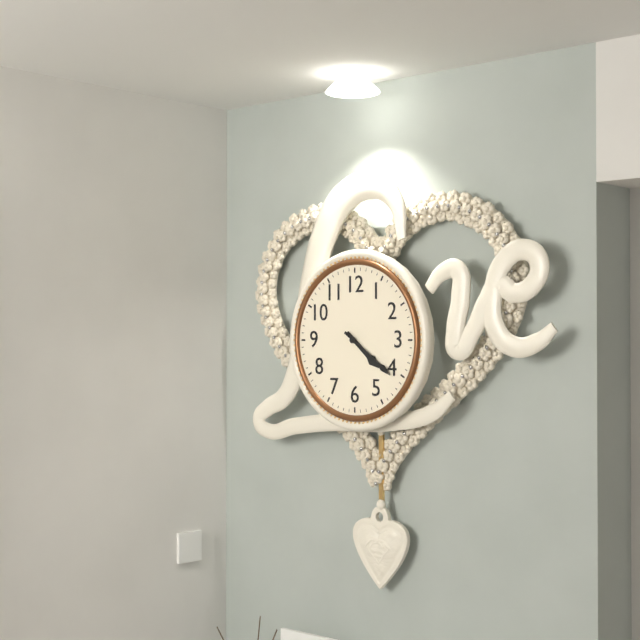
4 h 21 min
